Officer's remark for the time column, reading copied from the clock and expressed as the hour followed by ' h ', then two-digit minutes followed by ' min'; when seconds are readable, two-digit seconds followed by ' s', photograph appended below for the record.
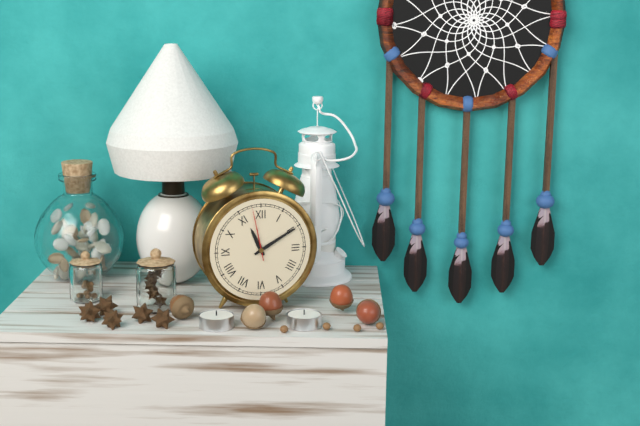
11 h 10 min 58 s
